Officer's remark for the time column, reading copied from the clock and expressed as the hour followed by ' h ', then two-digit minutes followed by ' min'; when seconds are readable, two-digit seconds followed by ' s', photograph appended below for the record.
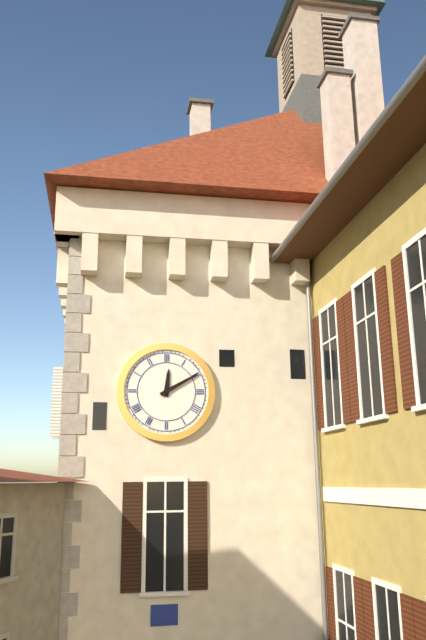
12 h 10 min
